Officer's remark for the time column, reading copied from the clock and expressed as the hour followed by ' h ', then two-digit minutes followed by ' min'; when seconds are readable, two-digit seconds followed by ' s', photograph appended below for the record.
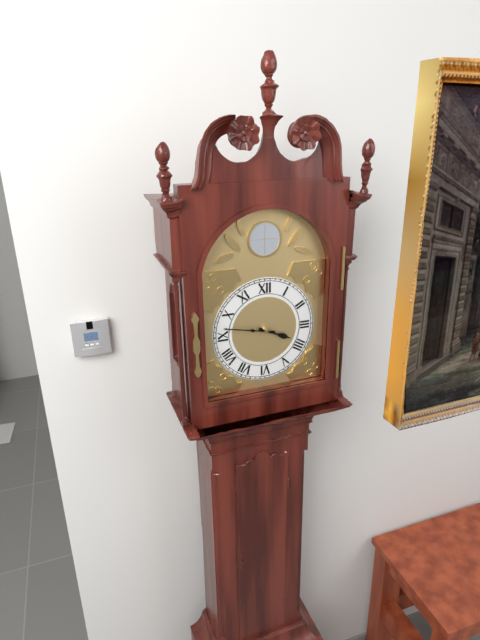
3 h 47 min
